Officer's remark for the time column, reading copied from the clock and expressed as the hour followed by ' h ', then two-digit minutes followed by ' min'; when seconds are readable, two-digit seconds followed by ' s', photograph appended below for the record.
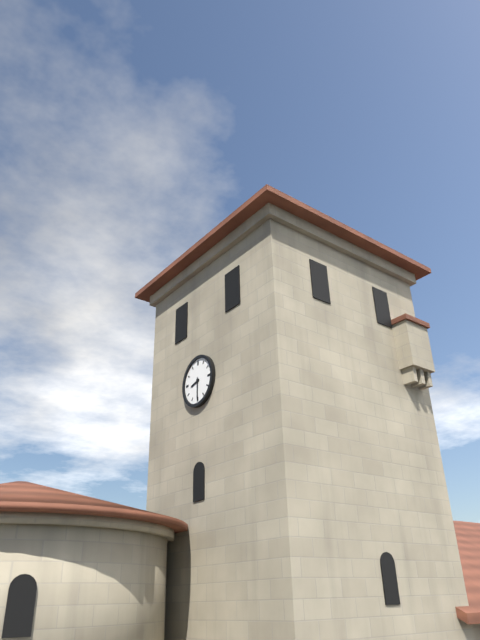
8 h 30 min
